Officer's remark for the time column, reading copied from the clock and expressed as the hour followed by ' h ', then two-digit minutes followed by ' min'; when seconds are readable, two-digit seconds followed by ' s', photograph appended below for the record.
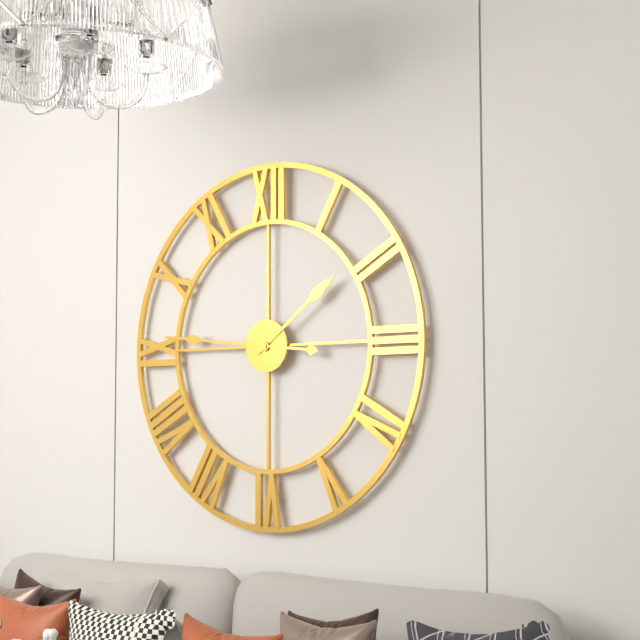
1 h 46 min
